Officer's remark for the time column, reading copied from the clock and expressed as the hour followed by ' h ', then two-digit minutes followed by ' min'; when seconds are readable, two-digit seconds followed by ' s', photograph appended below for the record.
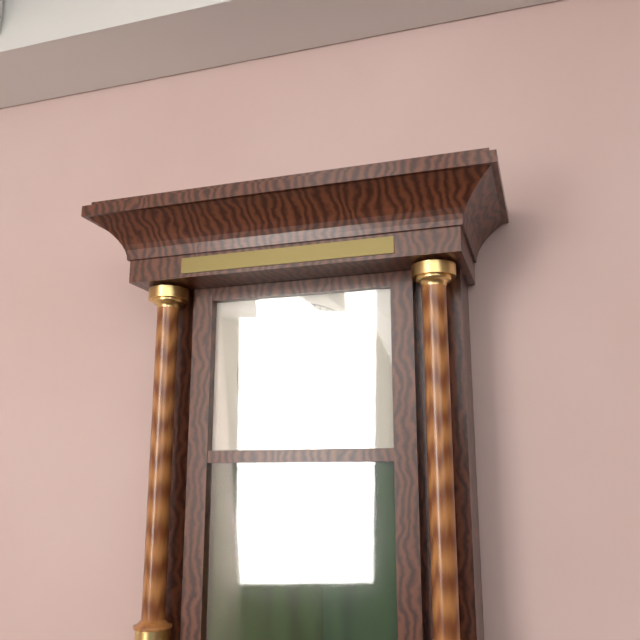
1 h 45 min
